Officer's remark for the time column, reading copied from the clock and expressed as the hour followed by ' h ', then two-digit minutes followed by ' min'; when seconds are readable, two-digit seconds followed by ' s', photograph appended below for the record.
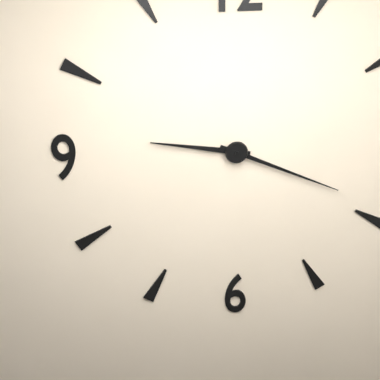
9 h 19 min
